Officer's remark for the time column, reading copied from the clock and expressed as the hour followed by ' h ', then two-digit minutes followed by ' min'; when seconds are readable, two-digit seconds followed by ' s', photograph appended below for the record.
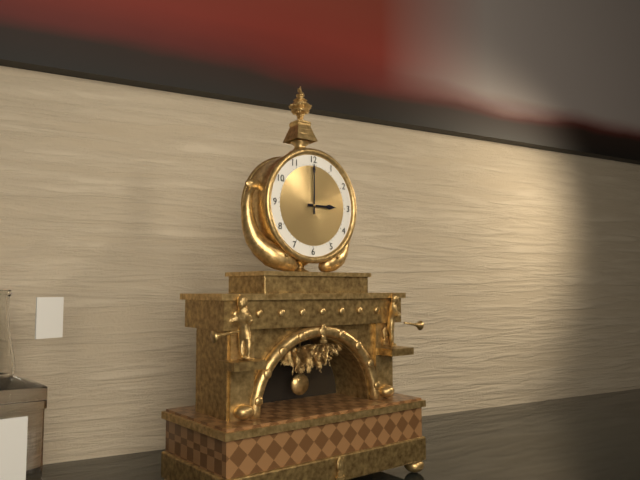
3 h 00 min
